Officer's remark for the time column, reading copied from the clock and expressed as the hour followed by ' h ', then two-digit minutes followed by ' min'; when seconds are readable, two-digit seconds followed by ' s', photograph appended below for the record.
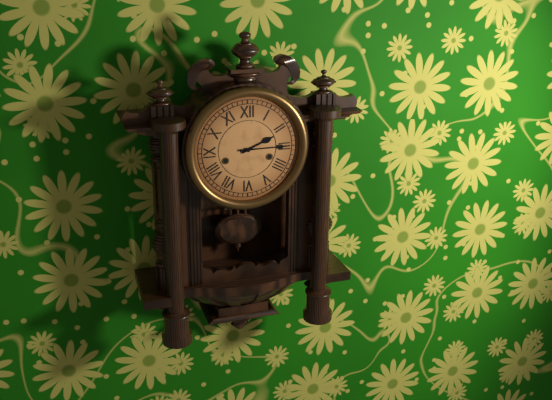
2 h 15 min
